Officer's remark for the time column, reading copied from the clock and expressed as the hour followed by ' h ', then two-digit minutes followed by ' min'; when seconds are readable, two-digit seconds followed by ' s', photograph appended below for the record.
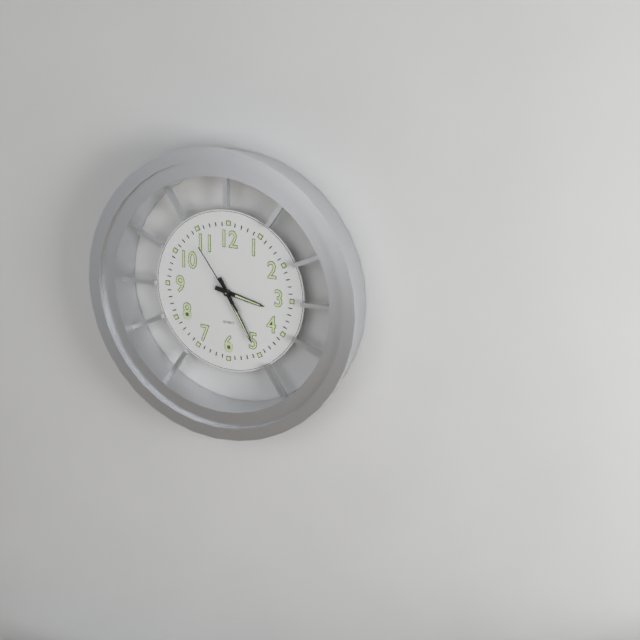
3 h 25 min 54 s
